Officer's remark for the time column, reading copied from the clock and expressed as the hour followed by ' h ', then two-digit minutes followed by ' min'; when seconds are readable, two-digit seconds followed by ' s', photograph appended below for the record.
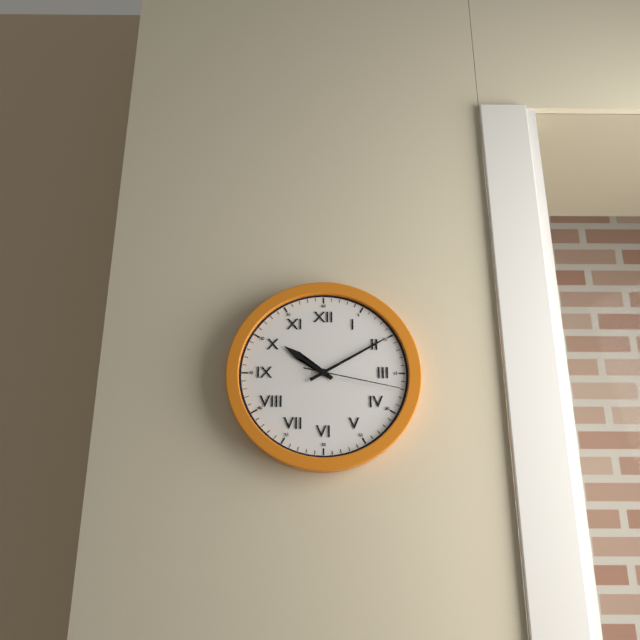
10 h 10 min 17 s
